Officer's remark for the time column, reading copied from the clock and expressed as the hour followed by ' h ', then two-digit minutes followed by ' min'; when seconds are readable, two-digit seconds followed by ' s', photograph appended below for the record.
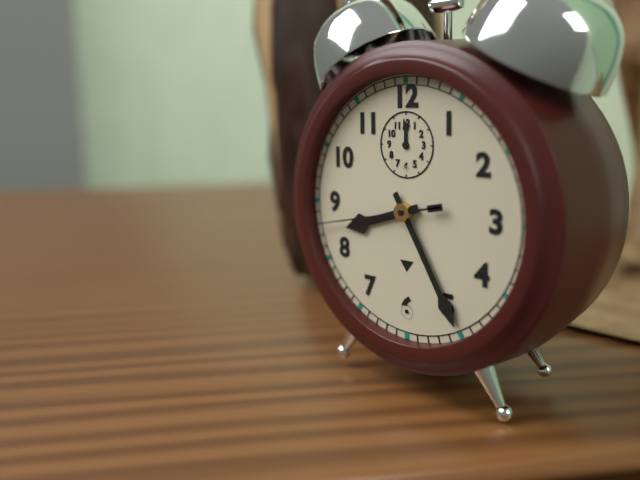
8 h 25 min 43 s
